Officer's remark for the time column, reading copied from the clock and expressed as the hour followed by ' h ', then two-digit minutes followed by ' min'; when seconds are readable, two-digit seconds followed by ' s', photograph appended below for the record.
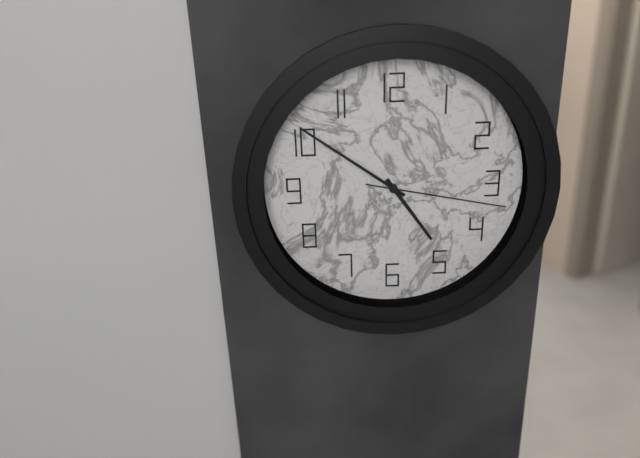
4 h 51 min 17 s
